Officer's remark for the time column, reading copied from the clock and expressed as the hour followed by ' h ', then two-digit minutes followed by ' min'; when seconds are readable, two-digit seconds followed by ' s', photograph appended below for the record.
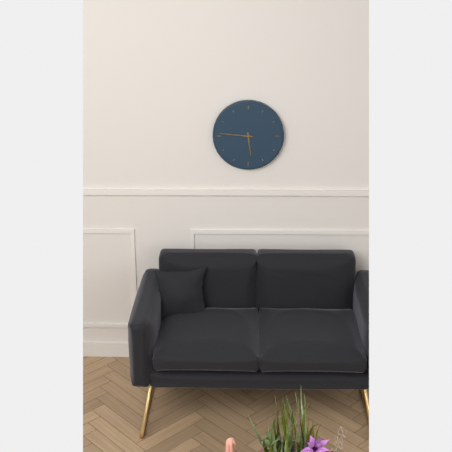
5 h 46 min
